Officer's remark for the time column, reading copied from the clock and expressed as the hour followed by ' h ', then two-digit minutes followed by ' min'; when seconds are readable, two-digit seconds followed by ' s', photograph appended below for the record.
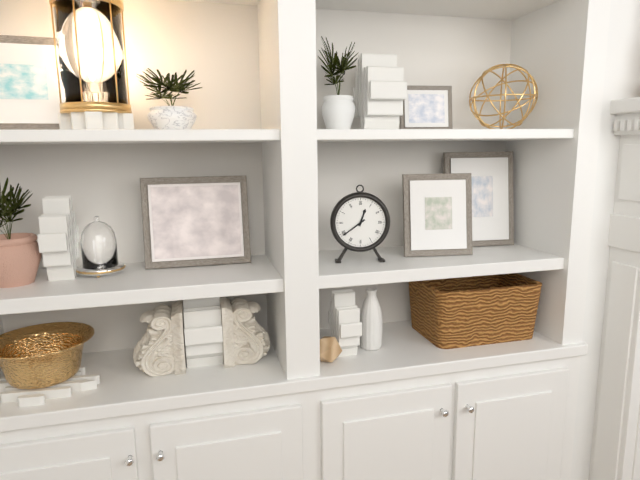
12 h 39 min
